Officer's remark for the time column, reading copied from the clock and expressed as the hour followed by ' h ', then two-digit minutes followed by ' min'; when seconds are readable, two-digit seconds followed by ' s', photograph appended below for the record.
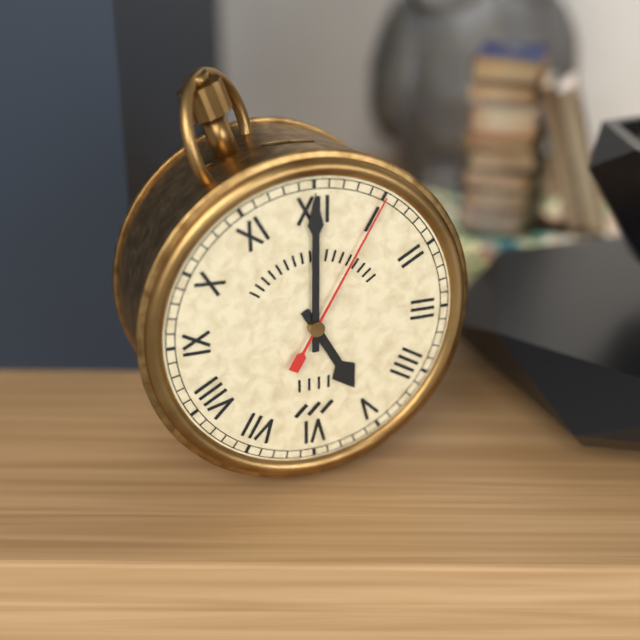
5 h 00 min 05 s
